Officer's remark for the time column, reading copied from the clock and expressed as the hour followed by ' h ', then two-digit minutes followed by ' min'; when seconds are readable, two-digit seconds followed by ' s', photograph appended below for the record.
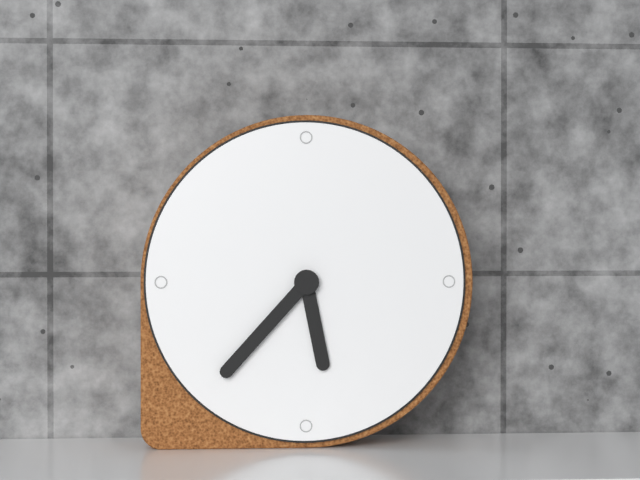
5 h 37 min
